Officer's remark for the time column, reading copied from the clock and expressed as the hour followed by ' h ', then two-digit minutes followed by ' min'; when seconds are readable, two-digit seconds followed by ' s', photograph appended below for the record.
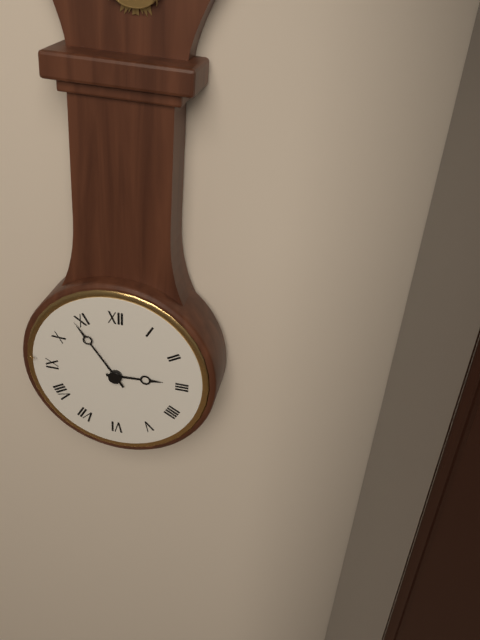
2 h 54 min
